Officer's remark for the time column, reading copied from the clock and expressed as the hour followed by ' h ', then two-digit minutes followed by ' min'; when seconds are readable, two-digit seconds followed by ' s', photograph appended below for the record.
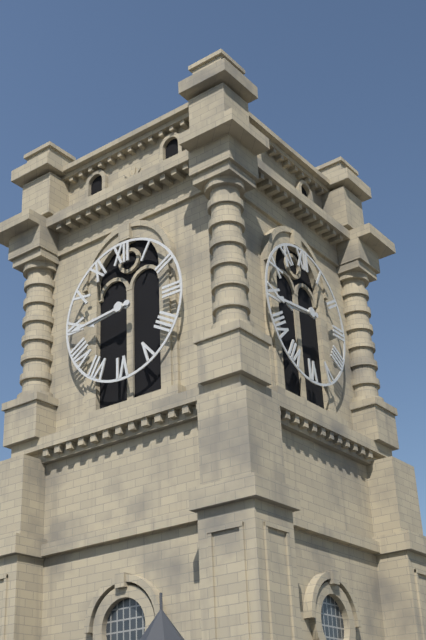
8 h 44 min
